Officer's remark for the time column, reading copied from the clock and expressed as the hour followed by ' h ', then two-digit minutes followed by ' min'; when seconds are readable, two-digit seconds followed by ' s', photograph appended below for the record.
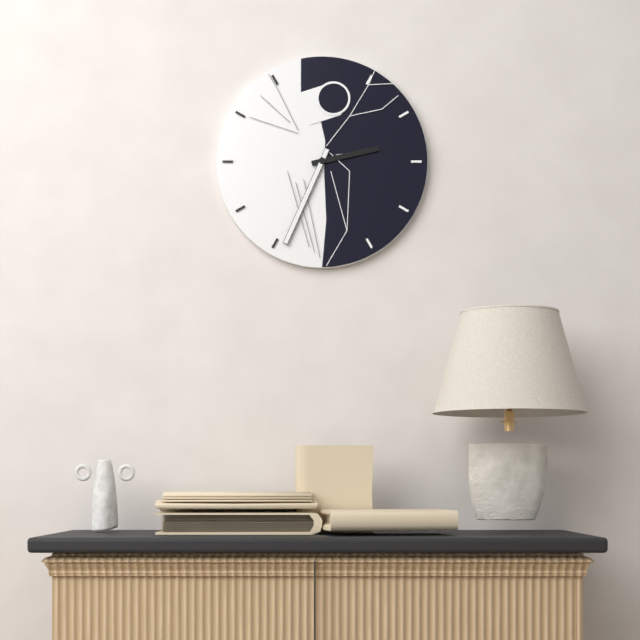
2 h 34 min
